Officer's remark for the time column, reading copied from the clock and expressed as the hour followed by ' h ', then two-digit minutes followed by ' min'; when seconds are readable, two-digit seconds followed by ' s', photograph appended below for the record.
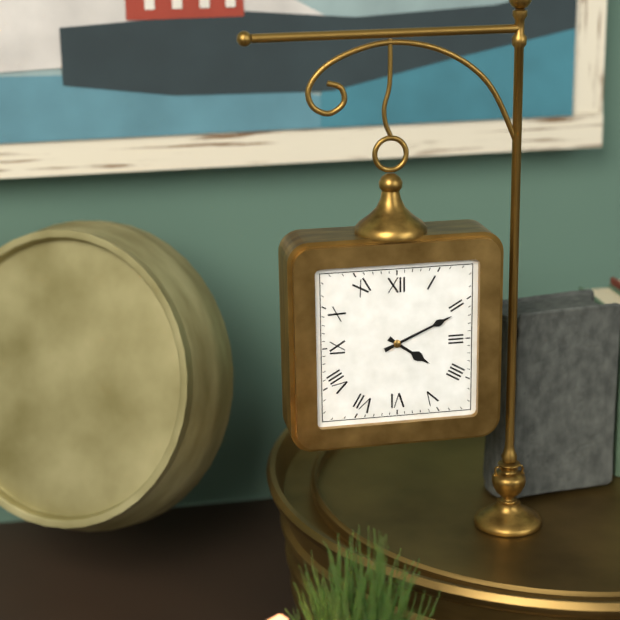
4 h 11 min
